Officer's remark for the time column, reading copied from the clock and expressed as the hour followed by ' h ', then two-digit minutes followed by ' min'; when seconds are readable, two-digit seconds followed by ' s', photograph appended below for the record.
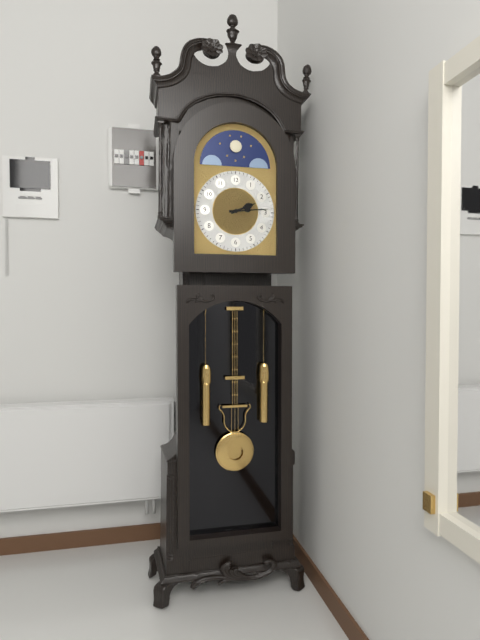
2 h 14 min
